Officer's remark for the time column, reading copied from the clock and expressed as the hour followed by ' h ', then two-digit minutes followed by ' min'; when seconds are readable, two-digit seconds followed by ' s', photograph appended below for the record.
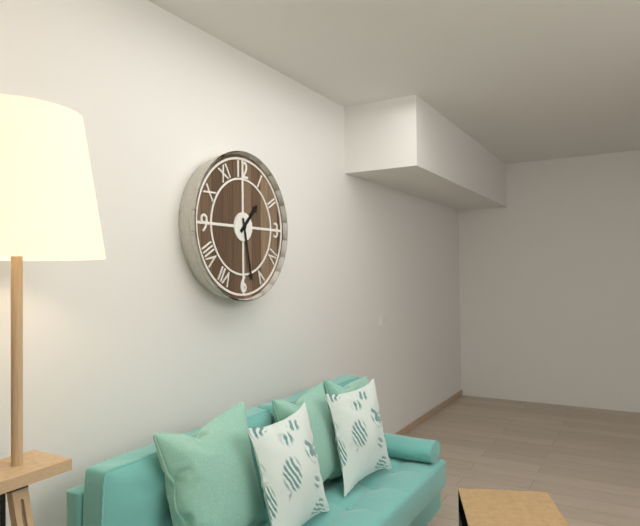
1 h 28 min
